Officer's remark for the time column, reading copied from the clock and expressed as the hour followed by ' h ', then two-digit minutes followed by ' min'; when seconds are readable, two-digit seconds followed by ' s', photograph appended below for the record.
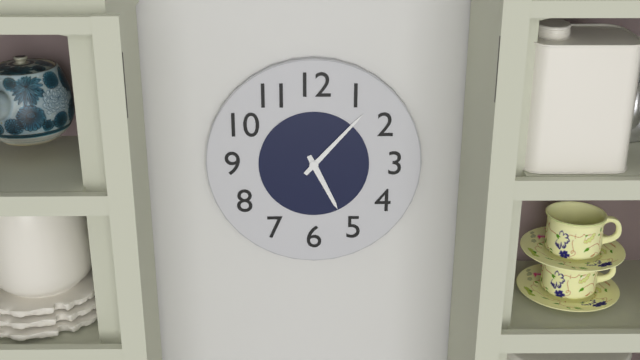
5 h 07 min
